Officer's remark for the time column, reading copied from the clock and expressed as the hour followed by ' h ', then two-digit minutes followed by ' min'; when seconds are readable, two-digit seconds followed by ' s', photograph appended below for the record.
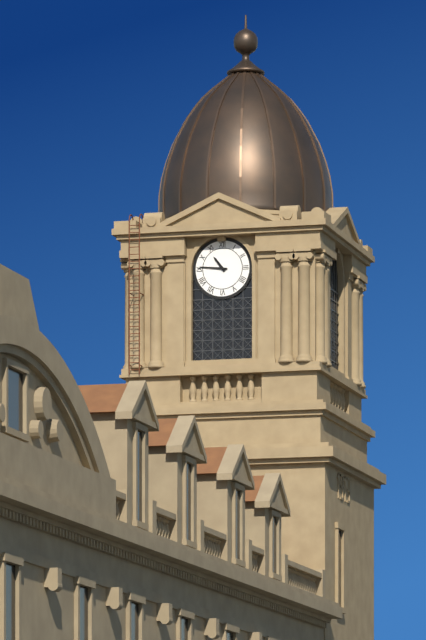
10 h 46 min
